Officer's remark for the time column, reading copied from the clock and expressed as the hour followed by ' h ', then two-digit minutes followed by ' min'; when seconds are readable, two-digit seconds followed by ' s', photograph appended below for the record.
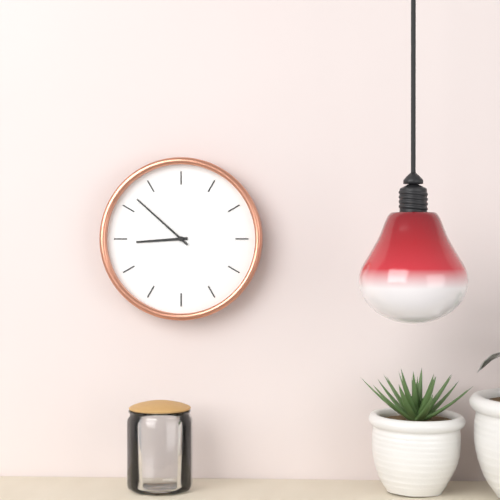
8 h 52 min
